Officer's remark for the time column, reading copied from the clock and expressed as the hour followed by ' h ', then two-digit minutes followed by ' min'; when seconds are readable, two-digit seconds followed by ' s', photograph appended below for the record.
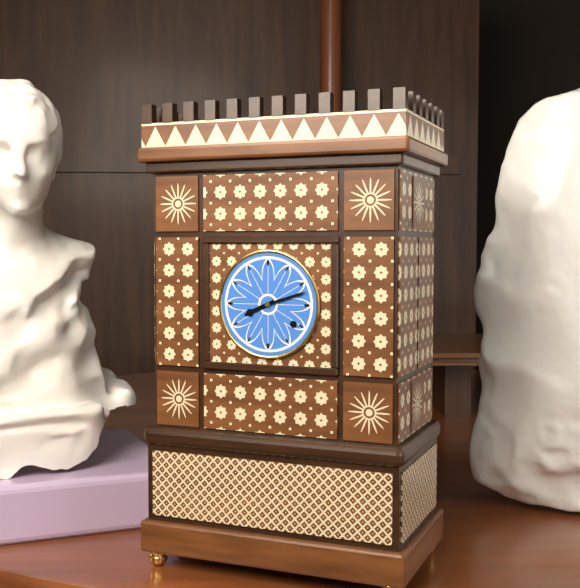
8 h 12 min
